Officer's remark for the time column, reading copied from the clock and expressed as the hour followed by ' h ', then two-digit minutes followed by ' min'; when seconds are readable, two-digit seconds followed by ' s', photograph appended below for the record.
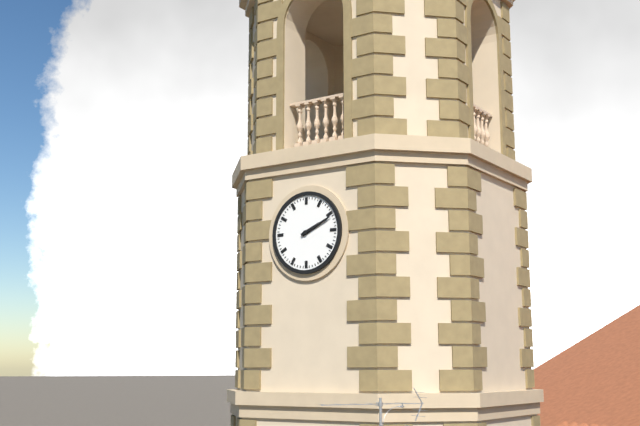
2 h 11 min
